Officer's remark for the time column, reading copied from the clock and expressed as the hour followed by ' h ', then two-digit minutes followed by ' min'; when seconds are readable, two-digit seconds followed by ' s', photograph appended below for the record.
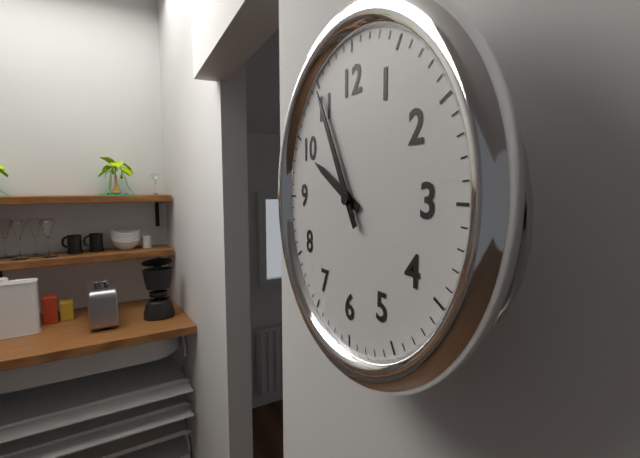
9 h 55 min
